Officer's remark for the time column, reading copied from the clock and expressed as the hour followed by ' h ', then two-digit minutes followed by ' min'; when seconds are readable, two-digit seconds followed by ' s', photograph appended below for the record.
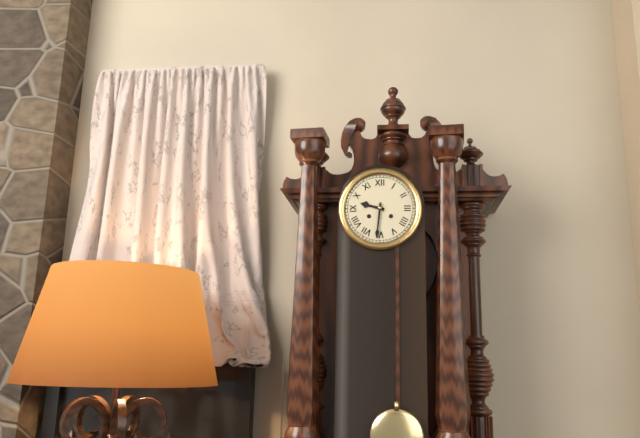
9 h 31 min
